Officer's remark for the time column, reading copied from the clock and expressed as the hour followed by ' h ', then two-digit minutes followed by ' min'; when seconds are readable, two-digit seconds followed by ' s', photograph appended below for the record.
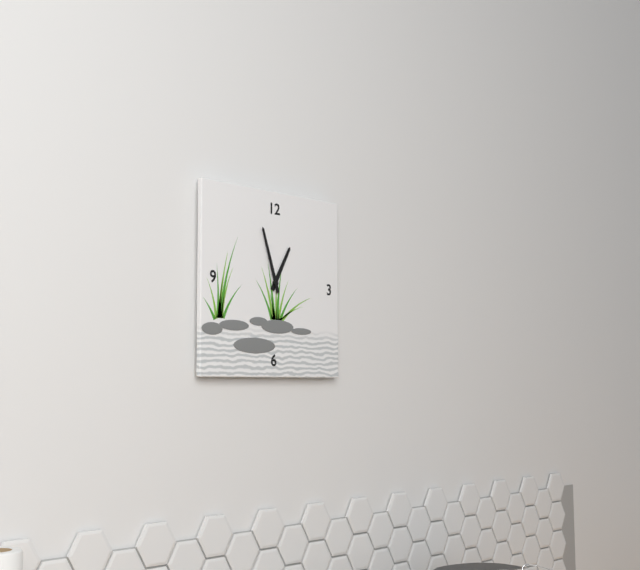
12 h 57 min
